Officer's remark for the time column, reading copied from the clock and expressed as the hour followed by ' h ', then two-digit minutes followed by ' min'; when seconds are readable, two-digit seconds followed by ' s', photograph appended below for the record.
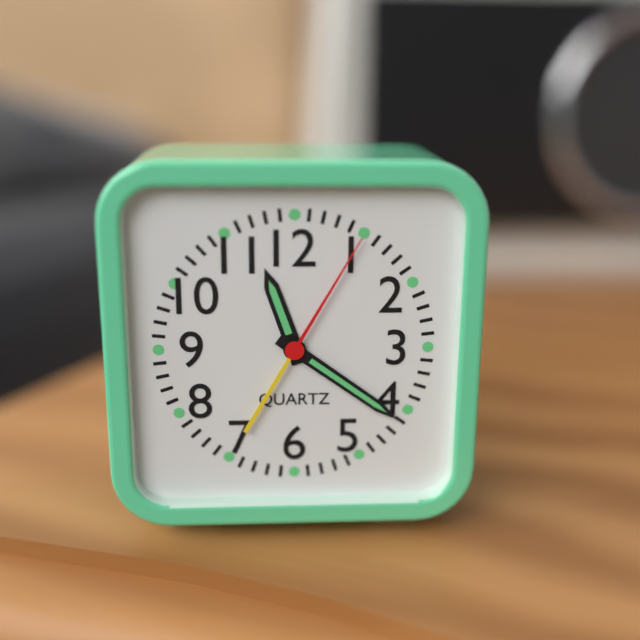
11 h 21 min 05 s
